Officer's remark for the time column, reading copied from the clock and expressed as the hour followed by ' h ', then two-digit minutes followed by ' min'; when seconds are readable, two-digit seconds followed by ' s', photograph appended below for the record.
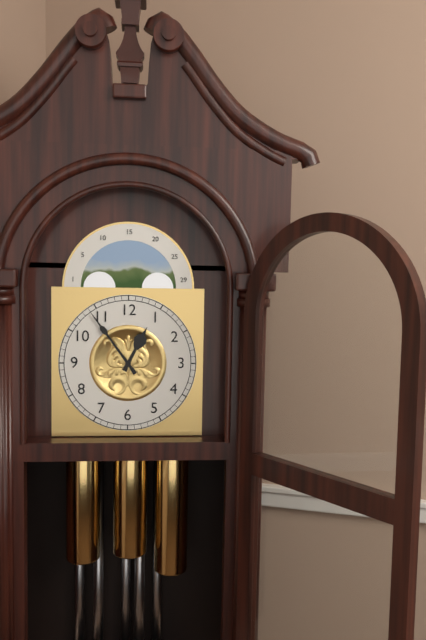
12 h 54 min
